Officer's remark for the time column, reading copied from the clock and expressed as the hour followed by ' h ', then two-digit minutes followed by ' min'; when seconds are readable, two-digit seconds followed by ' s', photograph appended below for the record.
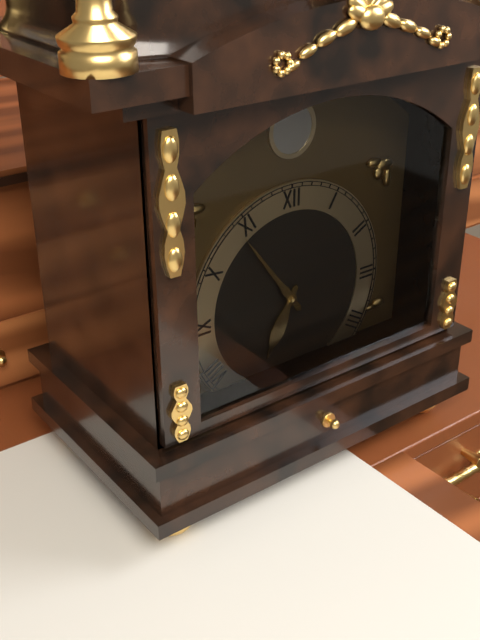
6 h 54 min
